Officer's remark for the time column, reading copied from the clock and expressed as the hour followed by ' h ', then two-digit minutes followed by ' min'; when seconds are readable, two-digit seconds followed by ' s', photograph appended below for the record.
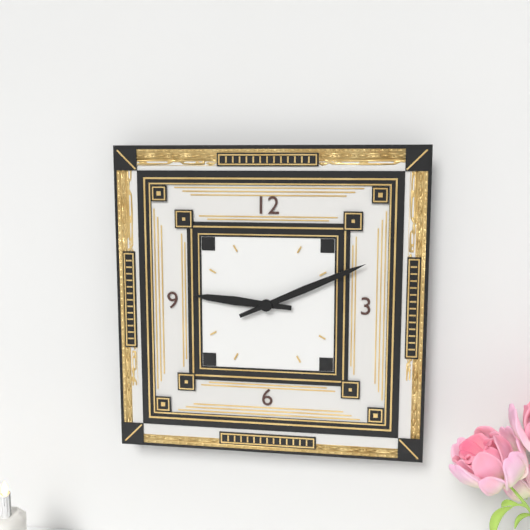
9 h 11 min
